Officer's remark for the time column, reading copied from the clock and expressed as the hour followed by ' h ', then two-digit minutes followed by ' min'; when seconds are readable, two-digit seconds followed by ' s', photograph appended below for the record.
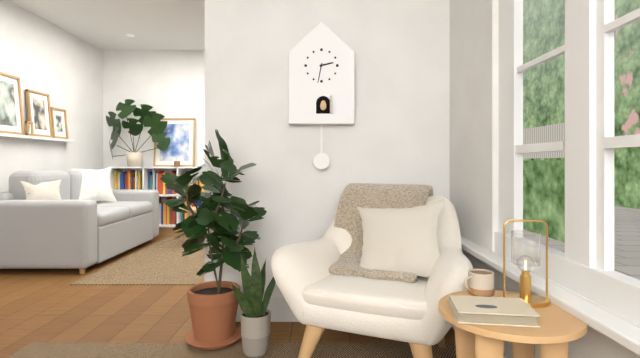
2 h 32 min
